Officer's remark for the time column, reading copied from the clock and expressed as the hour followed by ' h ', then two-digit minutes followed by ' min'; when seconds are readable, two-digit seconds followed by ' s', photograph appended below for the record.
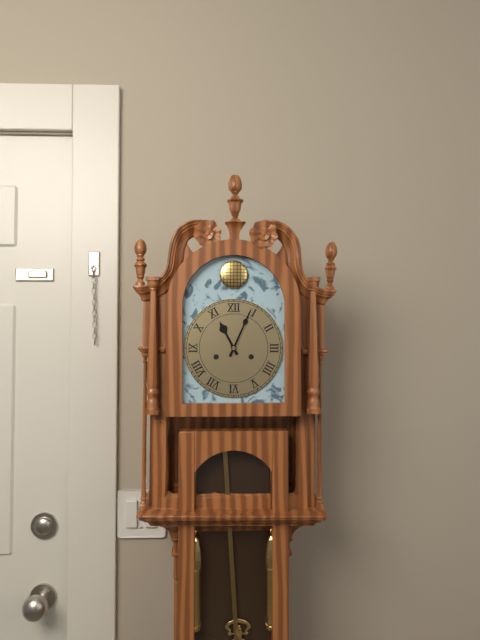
11 h 04 min
